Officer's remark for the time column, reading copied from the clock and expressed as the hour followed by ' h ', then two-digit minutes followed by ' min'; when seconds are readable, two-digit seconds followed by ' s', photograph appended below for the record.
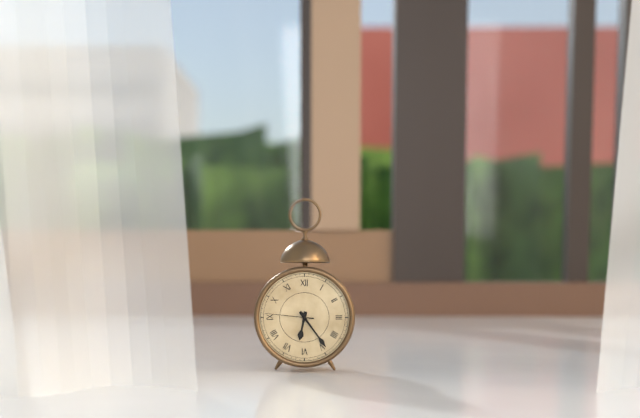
6 h 24 min
